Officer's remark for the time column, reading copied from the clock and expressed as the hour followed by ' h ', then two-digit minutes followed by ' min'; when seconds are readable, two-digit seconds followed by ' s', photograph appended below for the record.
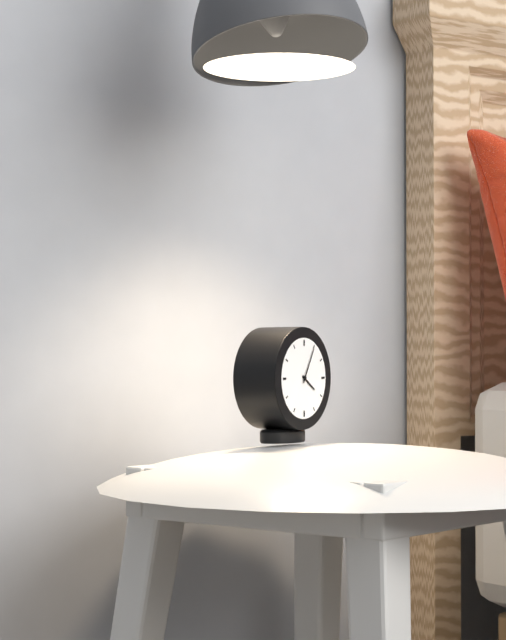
4 h 05 min
